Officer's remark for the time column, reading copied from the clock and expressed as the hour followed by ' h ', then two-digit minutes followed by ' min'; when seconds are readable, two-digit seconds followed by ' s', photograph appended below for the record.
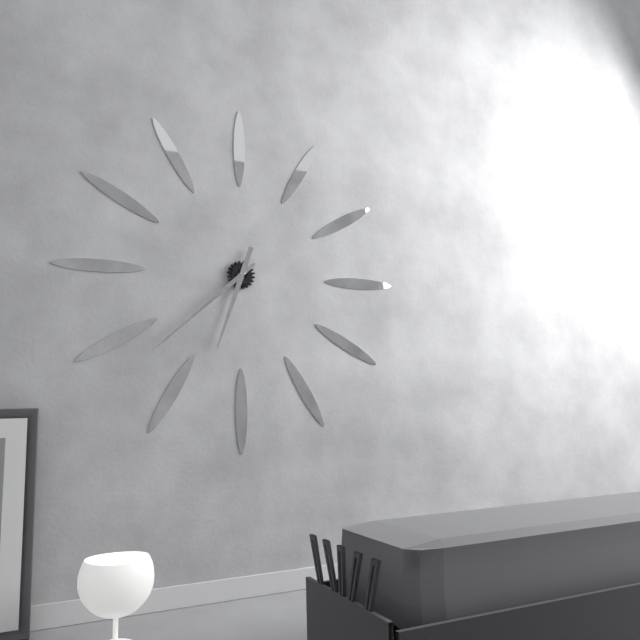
6 h 38 min
